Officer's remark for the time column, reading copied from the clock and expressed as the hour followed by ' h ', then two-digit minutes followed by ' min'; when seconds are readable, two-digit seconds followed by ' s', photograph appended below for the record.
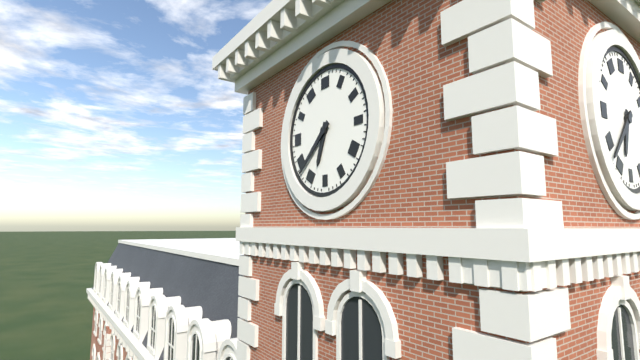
6 h 38 min
